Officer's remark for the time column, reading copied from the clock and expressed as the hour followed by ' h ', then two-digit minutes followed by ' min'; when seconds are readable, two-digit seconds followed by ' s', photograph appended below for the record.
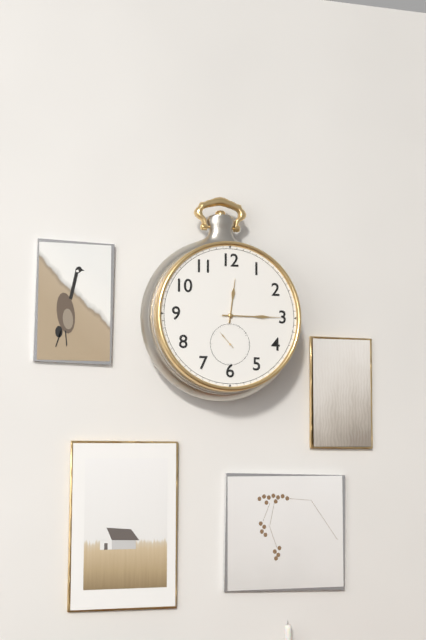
12 h 15 min
